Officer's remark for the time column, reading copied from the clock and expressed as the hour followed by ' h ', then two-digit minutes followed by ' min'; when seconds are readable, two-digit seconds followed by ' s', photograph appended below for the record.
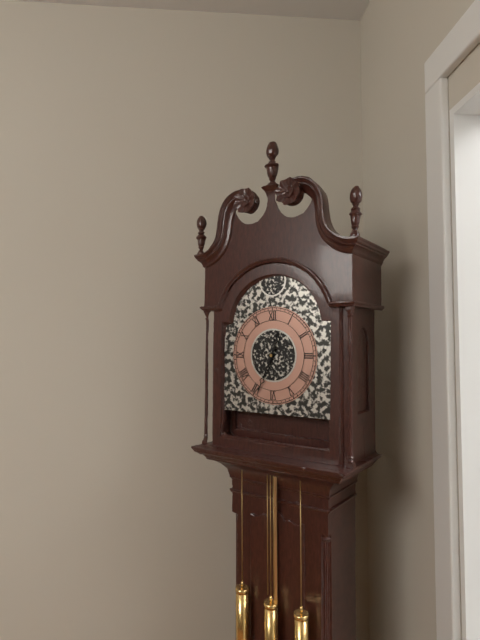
12 h 34 min
